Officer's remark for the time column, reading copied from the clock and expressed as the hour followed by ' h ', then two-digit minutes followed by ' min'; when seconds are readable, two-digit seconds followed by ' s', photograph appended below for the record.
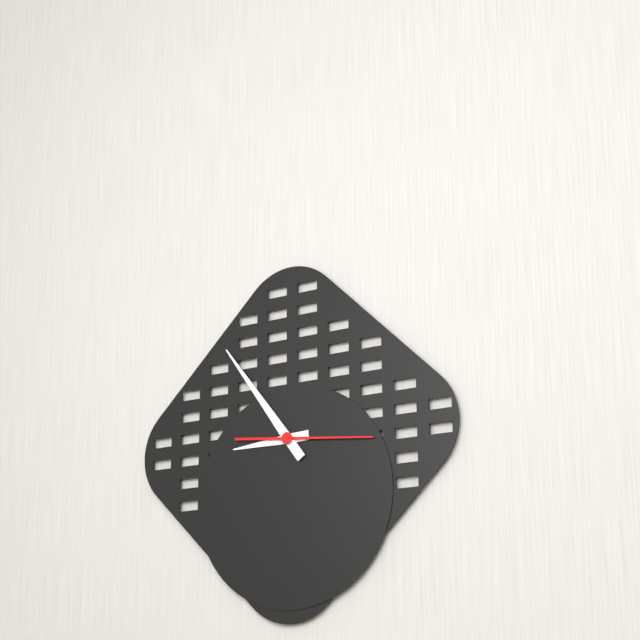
8 h 54 min 16 s
